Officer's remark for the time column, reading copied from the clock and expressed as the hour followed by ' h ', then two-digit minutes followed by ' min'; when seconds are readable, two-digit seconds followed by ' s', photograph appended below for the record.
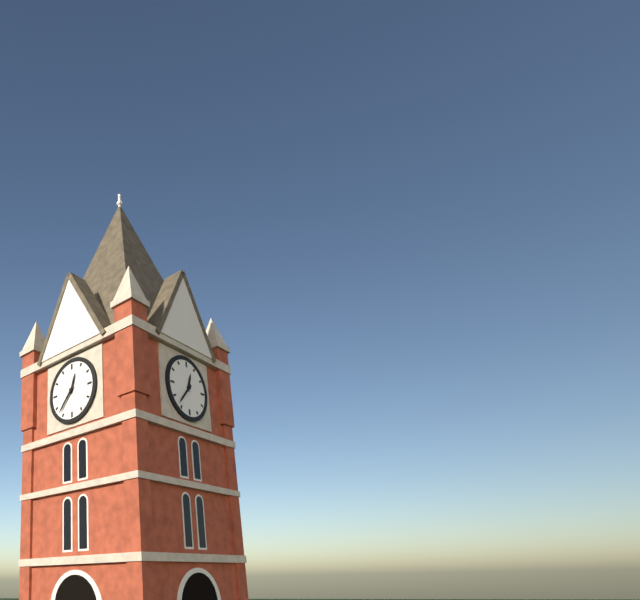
12 h 37 min
